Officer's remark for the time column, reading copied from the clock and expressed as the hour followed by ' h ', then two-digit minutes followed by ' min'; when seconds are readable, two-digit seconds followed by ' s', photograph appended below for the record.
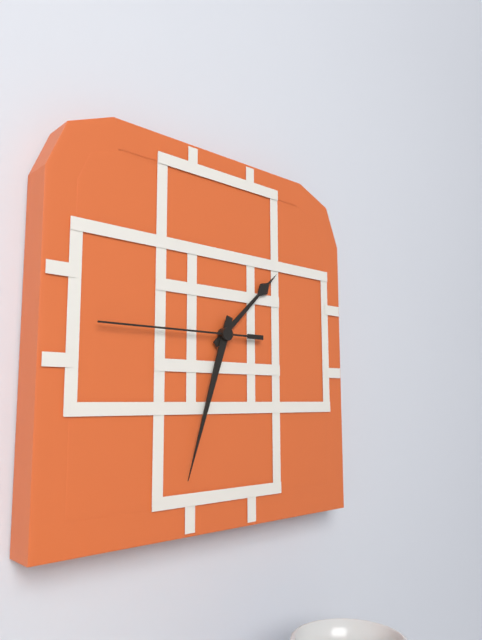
1 h 33 min 45 s
